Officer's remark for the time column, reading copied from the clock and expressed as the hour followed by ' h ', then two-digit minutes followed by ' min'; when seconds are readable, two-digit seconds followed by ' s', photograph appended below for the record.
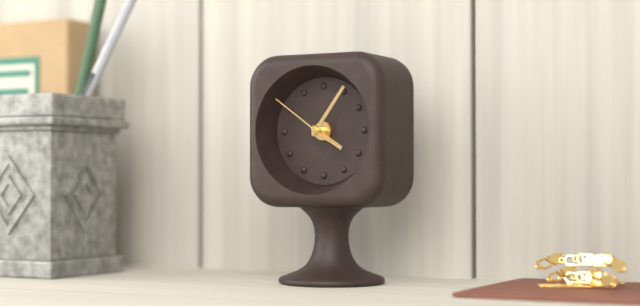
4 h 06 min 51 s
